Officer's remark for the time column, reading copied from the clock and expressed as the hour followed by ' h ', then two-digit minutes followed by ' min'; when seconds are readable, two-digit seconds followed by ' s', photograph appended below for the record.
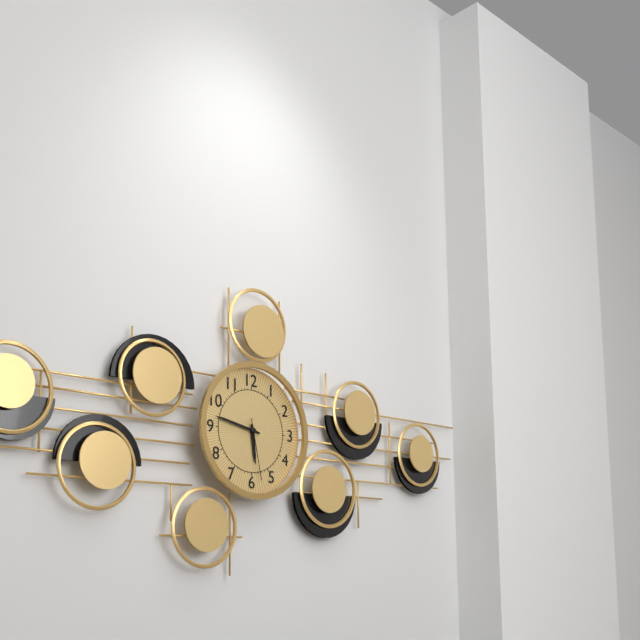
5 h 47 min 28 s
